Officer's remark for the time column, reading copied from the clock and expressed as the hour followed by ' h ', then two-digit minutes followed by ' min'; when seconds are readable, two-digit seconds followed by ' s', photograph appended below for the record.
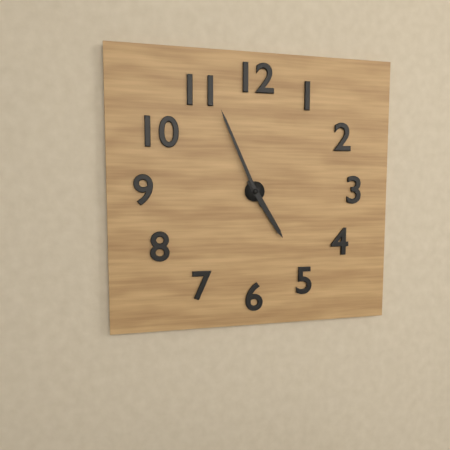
4 h 56 min
